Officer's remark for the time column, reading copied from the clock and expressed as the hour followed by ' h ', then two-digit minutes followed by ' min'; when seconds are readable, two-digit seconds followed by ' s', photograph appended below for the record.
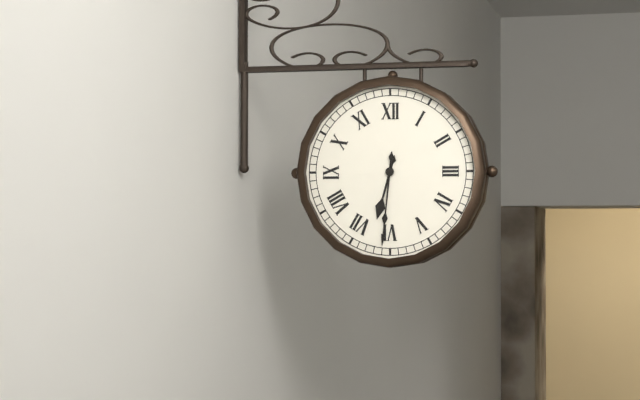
6 h 31 min
